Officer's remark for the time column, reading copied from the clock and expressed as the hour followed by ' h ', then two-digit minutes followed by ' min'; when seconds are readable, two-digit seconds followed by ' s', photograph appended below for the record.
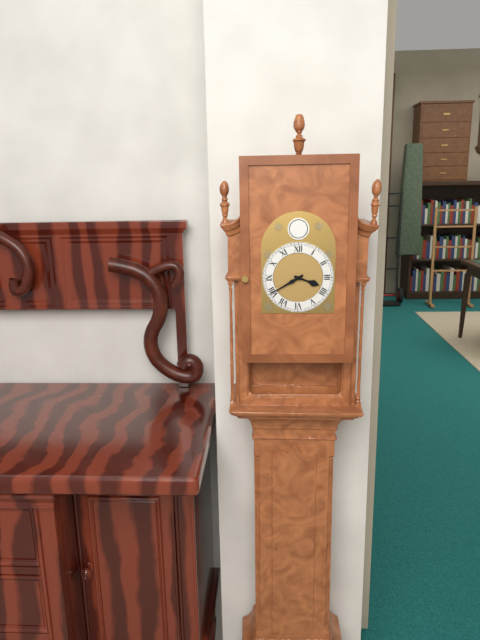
3 h 40 min
